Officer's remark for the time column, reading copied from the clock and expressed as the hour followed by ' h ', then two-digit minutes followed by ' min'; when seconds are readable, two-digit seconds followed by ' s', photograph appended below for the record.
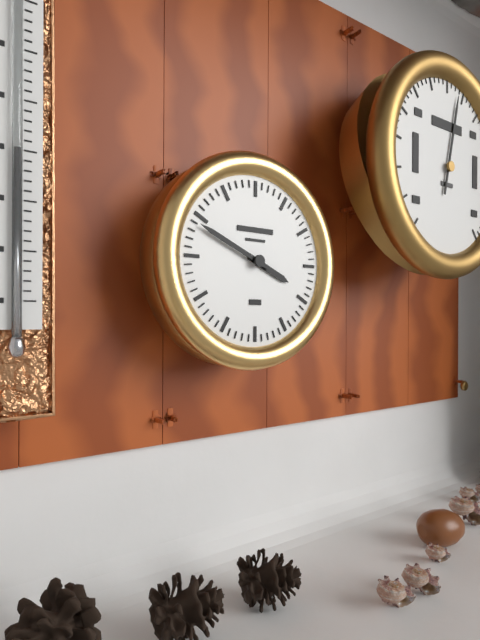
3 h 49 min
